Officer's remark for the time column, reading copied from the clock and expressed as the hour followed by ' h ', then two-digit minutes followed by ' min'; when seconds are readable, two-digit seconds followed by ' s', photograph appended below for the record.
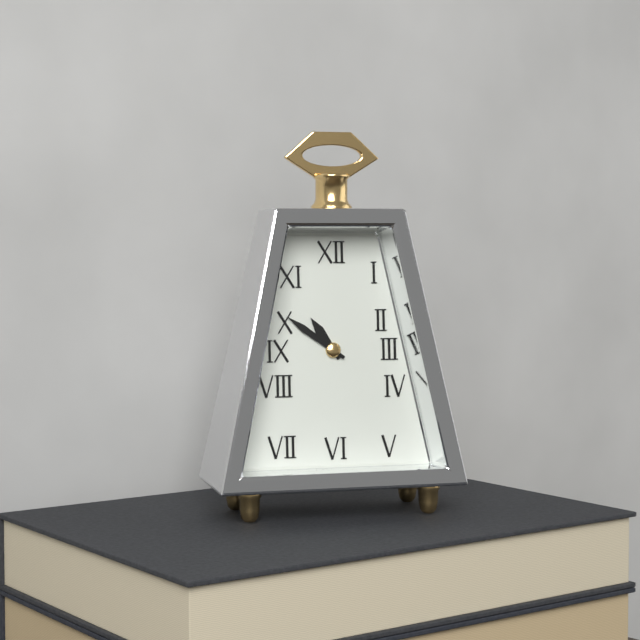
10 h 51 min
